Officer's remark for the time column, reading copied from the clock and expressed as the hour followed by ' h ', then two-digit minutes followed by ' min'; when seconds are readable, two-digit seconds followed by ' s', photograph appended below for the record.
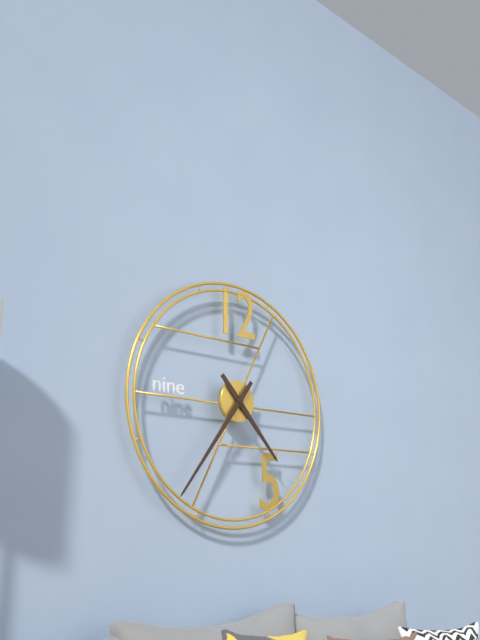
4 h 36 min
